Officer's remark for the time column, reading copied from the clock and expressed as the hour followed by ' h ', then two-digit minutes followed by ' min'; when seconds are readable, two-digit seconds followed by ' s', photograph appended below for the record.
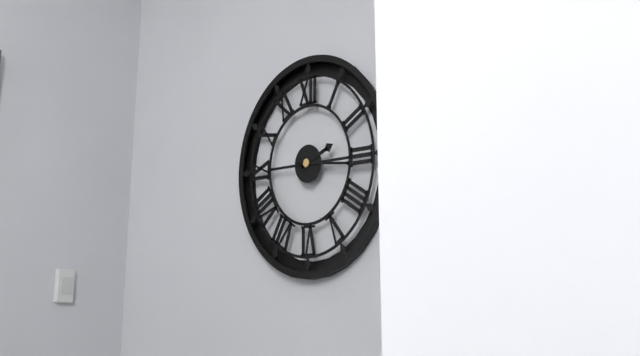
2 h 16 min
